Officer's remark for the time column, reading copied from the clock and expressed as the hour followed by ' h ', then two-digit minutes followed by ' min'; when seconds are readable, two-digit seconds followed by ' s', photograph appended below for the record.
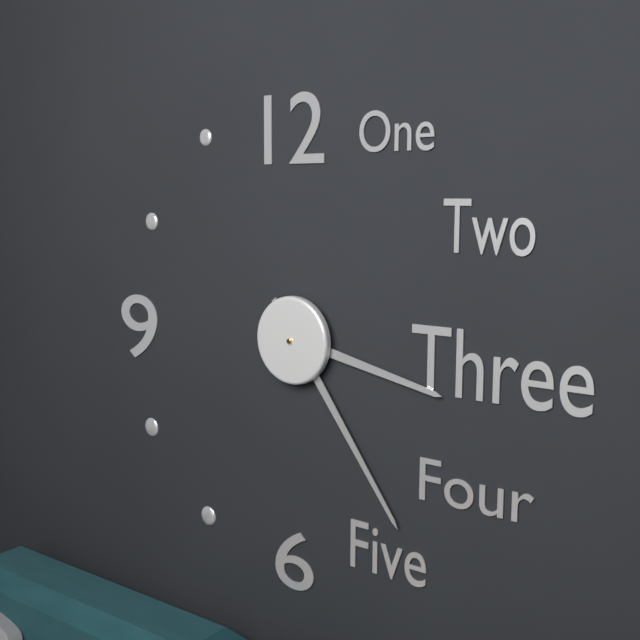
3 h 24 min
